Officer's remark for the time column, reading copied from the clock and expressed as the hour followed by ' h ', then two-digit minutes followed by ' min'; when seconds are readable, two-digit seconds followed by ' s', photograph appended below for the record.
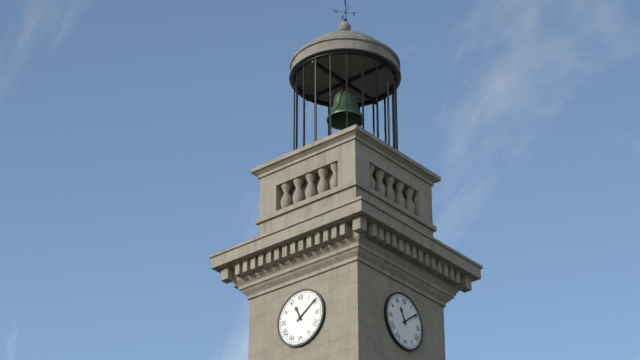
11 h 09 min
